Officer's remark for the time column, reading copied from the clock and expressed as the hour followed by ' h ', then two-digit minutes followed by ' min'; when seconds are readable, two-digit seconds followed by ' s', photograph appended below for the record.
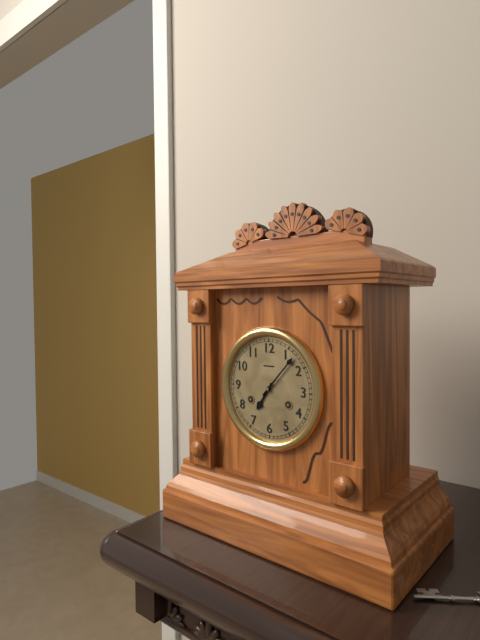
7 h 07 min
